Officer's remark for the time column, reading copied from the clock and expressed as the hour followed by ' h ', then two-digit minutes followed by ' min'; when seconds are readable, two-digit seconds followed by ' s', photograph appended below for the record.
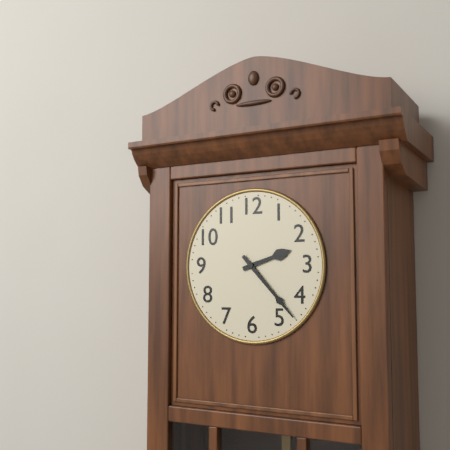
2 h 23 min
